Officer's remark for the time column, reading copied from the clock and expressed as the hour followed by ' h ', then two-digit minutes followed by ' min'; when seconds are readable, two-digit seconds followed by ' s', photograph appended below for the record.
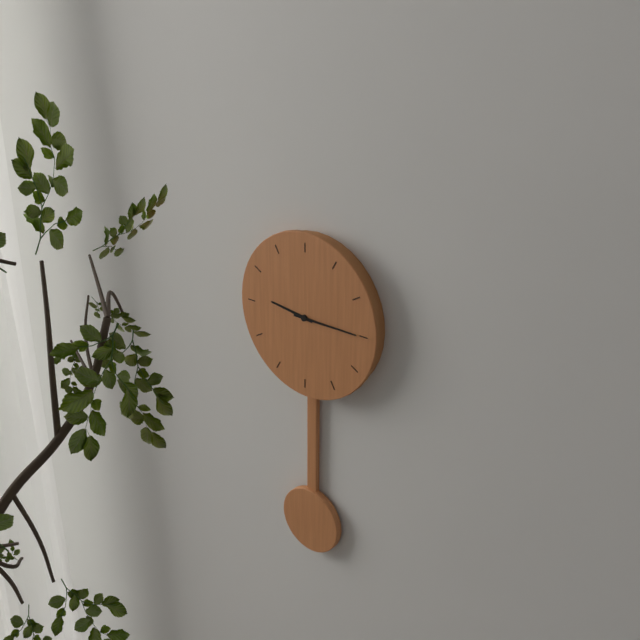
9 h 15 min
